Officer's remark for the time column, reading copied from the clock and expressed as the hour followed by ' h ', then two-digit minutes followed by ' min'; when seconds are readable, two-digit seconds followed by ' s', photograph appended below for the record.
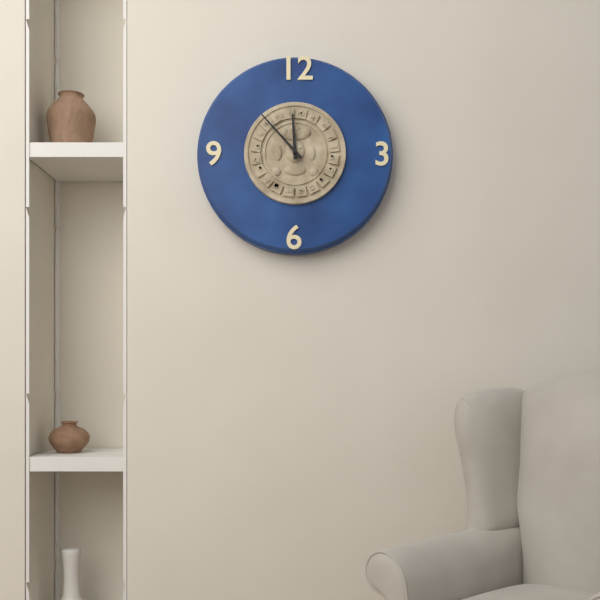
11 h 53 min
